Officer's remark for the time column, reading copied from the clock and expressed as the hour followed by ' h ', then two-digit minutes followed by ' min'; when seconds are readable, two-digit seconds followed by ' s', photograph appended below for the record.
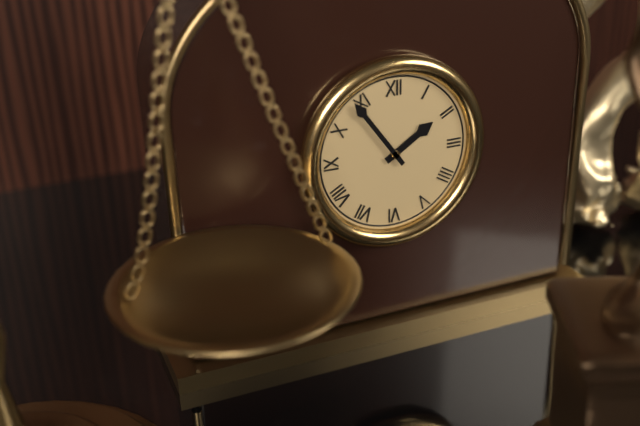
1 h 54 min
